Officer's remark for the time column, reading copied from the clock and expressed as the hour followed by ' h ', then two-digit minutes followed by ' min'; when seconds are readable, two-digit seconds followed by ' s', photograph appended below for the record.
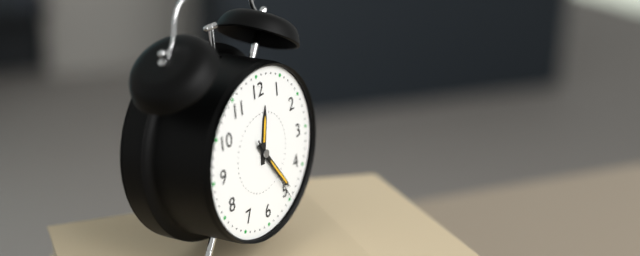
12 h 24 min 25 s
